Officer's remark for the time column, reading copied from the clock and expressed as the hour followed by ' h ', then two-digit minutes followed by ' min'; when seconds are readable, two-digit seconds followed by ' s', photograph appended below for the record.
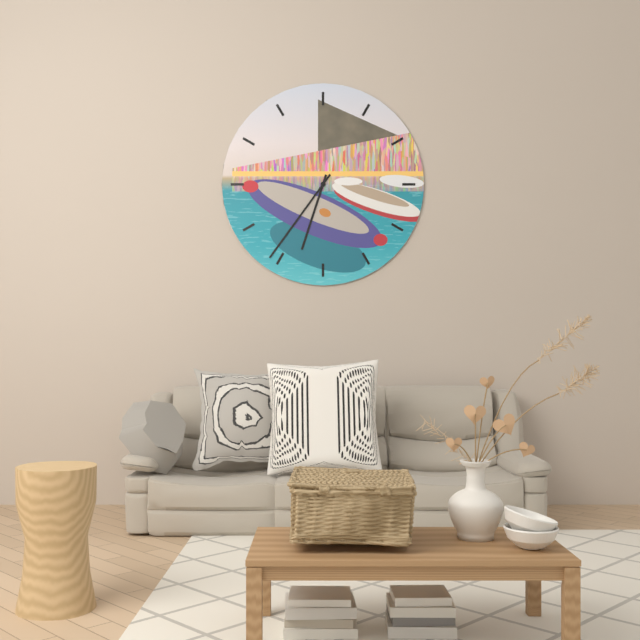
6 h 36 min
